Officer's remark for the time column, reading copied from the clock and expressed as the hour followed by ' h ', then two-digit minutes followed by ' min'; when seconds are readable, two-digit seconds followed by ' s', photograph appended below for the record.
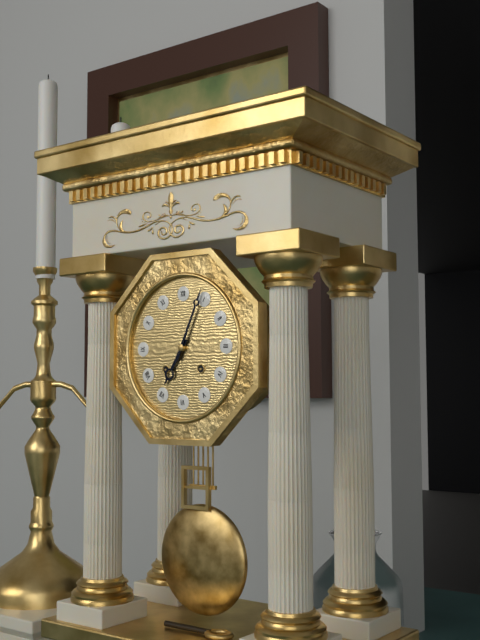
7 h 04 min
